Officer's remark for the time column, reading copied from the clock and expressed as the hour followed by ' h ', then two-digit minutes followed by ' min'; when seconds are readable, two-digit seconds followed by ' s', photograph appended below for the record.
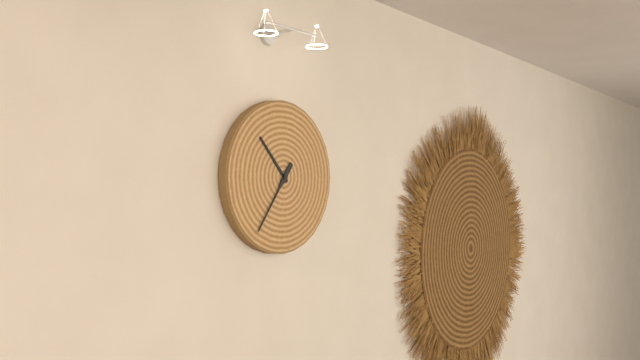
10 h 36 min
